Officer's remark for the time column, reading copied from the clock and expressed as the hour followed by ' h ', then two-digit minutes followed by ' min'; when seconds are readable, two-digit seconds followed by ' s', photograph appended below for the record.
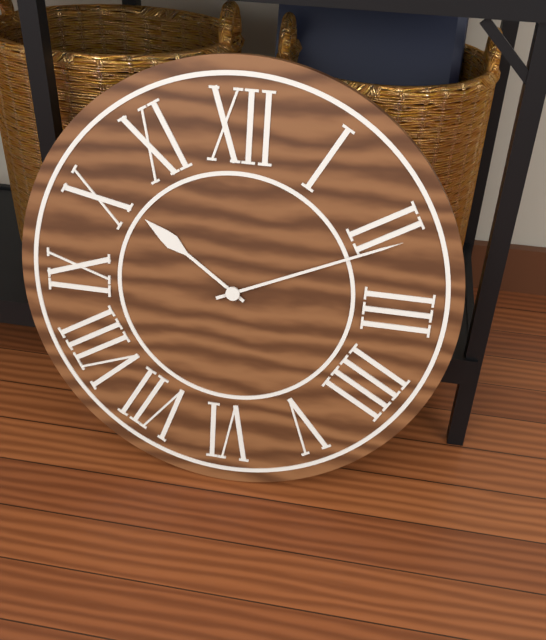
10 h 11 min
